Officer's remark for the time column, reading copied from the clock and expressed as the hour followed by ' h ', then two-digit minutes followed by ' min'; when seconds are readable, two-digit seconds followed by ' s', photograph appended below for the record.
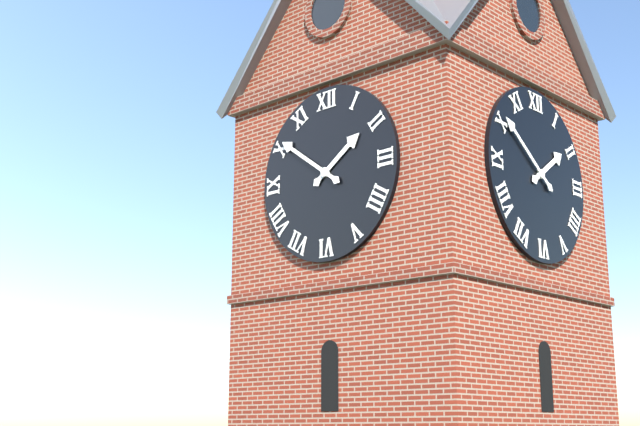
1 h 51 min
